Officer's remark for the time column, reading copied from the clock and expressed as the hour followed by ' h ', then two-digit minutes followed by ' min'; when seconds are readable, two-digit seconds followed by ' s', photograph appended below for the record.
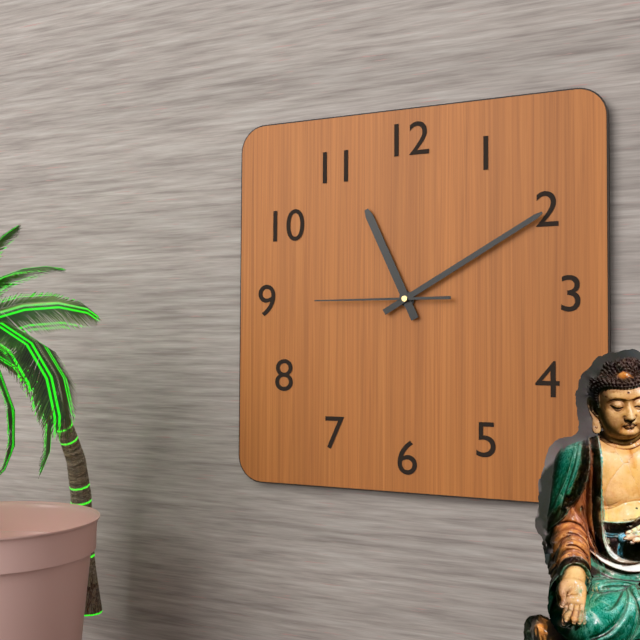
11 h 10 min 45 s
